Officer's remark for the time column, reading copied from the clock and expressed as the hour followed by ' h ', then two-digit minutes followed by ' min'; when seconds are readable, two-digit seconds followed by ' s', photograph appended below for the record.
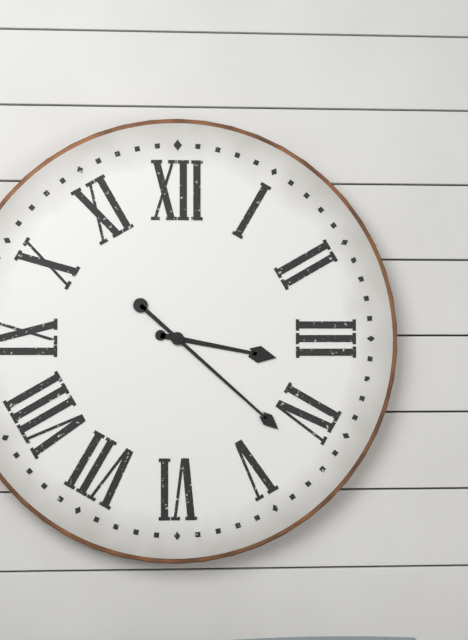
3 h 22 min
